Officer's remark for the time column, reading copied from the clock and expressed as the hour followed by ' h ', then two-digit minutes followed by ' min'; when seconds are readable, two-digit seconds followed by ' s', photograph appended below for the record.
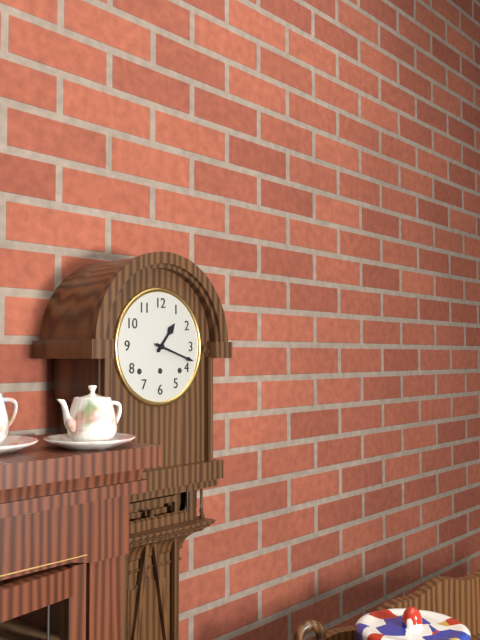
1 h 18 min
